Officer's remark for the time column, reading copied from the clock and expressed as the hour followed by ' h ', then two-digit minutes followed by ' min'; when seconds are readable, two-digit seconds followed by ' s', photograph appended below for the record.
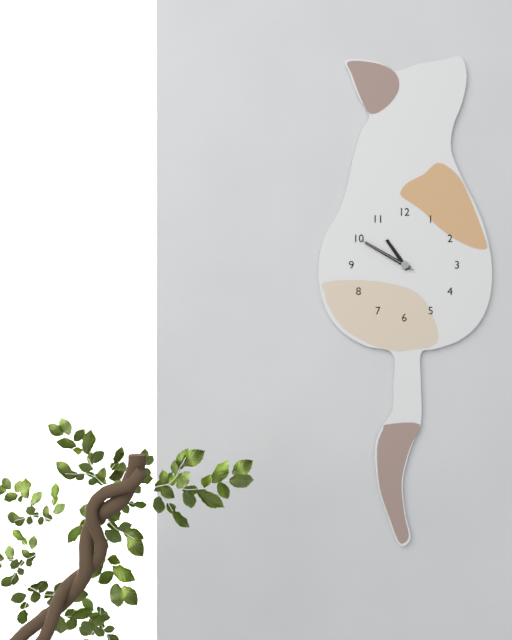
10 h 50 min 50 s
